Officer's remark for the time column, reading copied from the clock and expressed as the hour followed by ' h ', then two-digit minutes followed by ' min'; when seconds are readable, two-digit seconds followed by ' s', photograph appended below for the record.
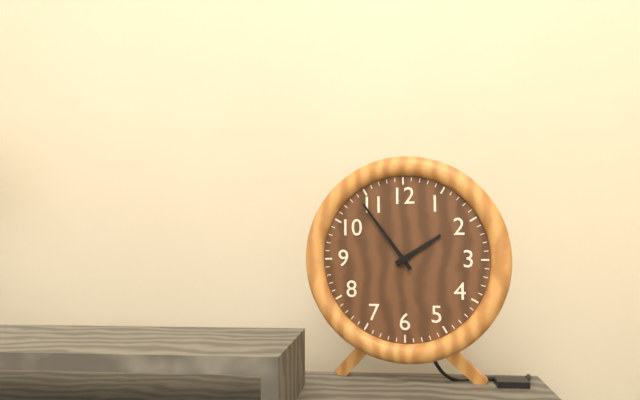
1 h 54 min
